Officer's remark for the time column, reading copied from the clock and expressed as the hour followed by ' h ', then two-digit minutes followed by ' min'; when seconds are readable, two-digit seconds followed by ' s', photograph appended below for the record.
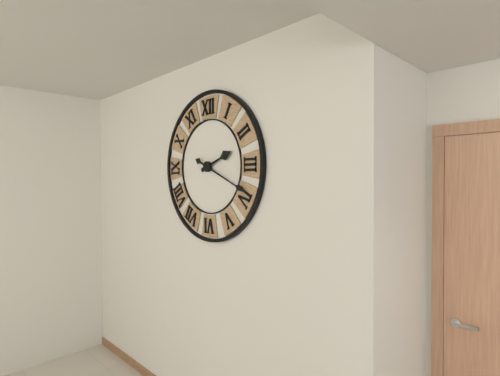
2 h 19 min
